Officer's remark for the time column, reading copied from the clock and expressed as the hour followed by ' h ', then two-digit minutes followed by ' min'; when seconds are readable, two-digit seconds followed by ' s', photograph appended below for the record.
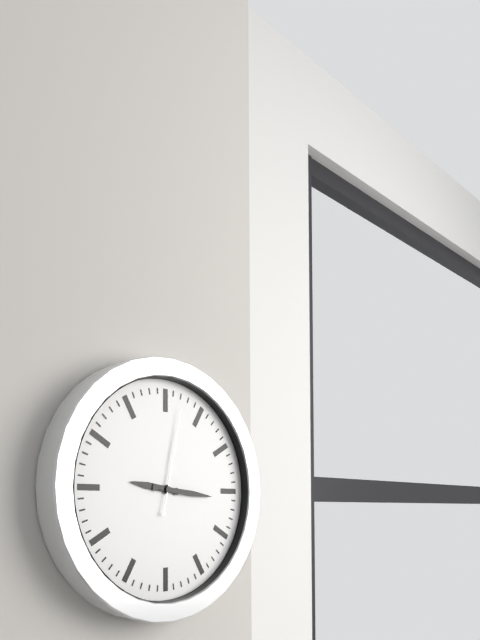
9 h 16 min 02 s
